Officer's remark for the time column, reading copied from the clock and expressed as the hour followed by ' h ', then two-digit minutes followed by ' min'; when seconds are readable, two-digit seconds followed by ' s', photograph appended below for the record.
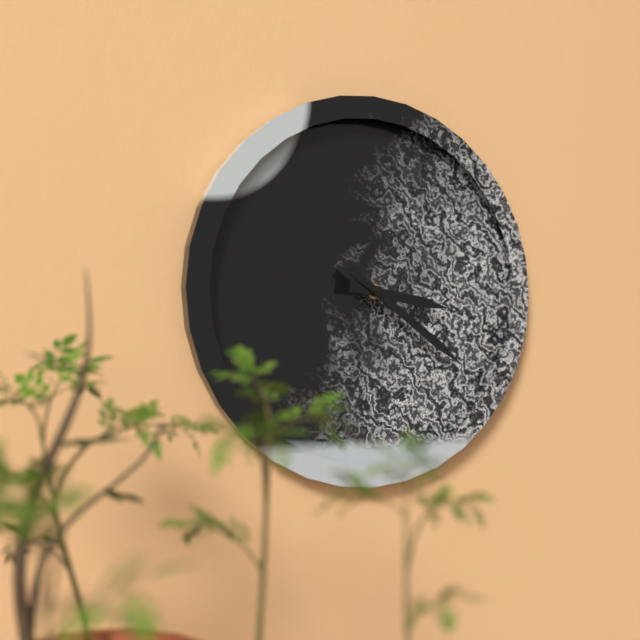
3 h 21 min
